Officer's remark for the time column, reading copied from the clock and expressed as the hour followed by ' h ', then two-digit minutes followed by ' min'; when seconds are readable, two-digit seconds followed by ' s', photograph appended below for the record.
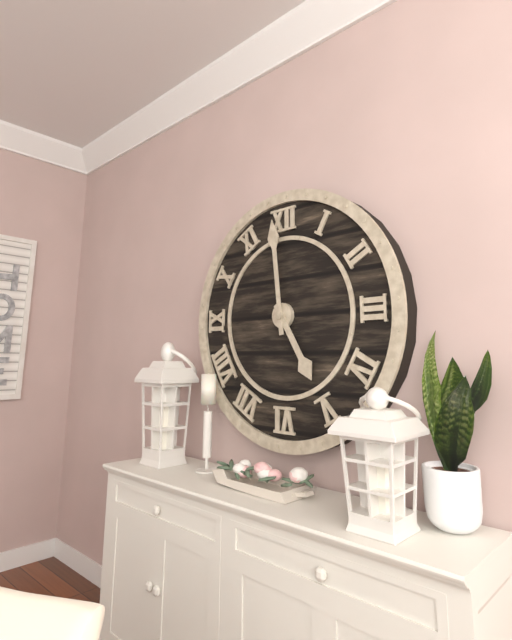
4 h 59 min
